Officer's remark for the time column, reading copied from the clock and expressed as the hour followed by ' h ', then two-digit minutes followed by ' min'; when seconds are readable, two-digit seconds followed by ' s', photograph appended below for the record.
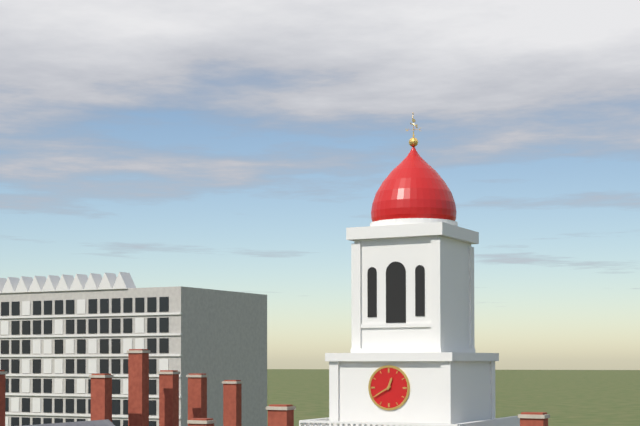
12 h 40 min
